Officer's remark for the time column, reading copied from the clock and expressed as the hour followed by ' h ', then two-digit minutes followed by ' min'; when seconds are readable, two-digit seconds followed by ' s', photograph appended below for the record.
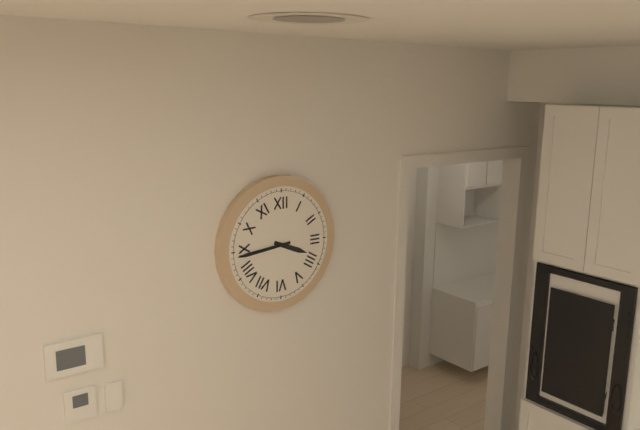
3 h 44 min
